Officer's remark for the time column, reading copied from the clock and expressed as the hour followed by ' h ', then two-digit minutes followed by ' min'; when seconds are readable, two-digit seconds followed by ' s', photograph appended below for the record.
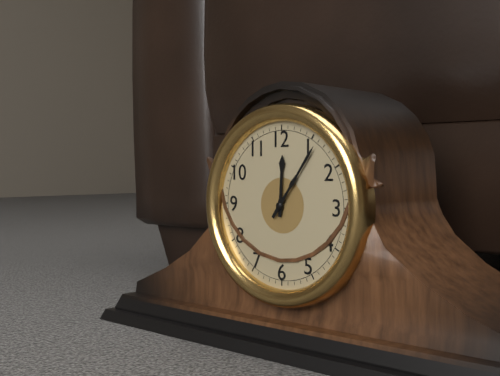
12 h 06 min
